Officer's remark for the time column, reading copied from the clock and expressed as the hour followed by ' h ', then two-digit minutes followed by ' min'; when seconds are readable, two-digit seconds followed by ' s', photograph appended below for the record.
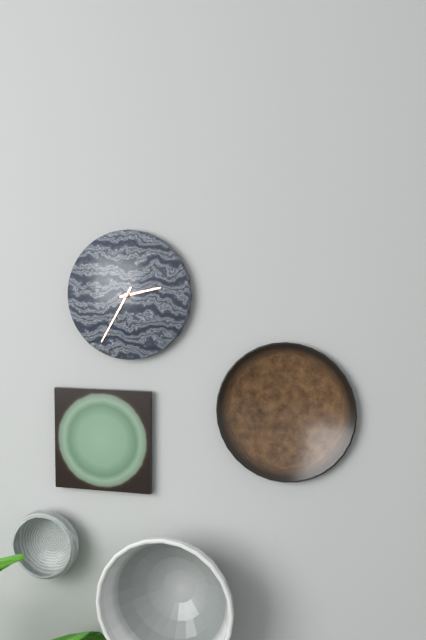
2 h 35 min
